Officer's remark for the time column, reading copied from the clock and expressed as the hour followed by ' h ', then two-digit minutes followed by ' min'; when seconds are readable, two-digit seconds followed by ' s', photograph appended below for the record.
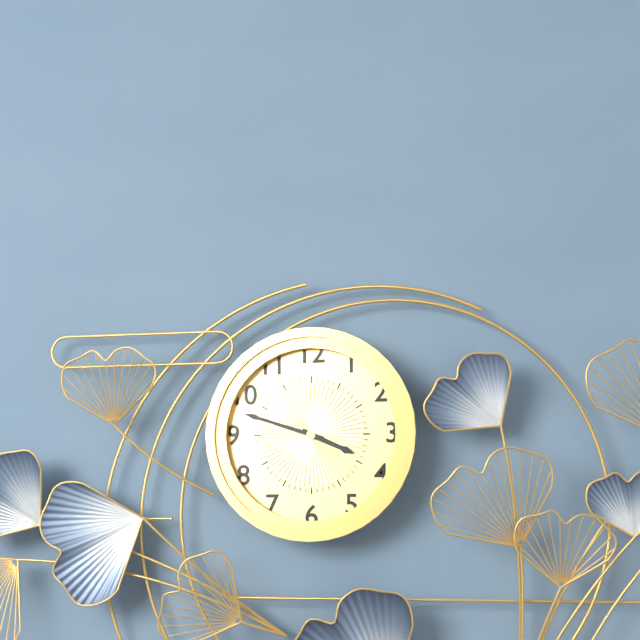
3 h 48 min
